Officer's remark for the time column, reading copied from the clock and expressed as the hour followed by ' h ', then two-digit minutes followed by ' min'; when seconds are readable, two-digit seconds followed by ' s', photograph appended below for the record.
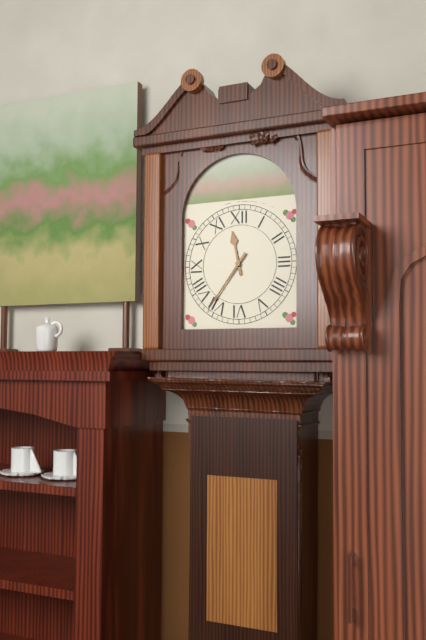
11 h 36 min
